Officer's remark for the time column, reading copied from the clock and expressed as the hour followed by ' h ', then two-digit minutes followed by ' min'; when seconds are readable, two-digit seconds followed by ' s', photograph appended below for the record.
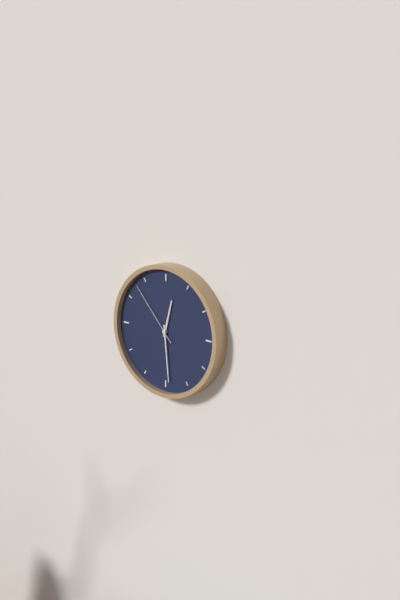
12 h 29 min 53 s
